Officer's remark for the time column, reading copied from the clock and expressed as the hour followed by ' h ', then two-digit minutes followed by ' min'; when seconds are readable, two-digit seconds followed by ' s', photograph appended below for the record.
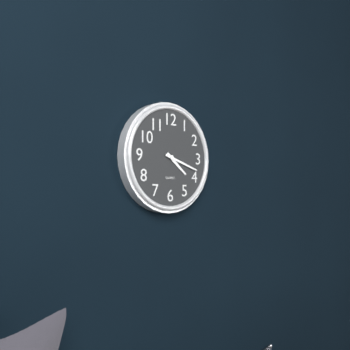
4 h 18 min
